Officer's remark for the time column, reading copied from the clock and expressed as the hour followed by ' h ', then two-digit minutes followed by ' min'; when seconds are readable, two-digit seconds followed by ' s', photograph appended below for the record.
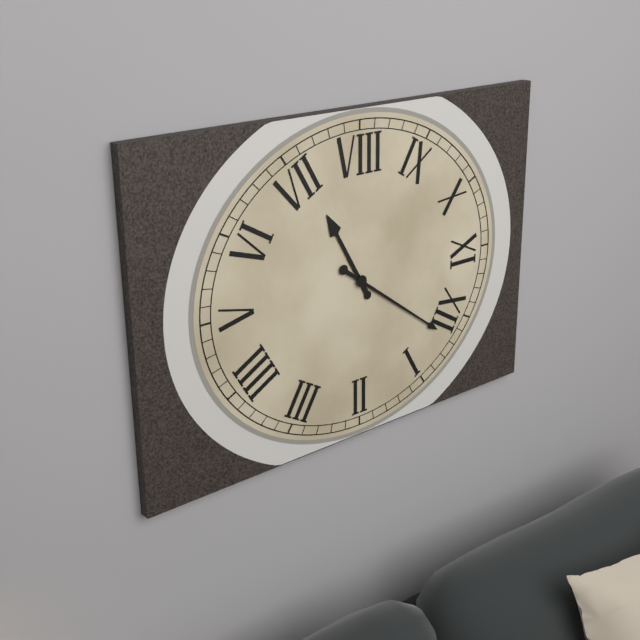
7 h 01 min
